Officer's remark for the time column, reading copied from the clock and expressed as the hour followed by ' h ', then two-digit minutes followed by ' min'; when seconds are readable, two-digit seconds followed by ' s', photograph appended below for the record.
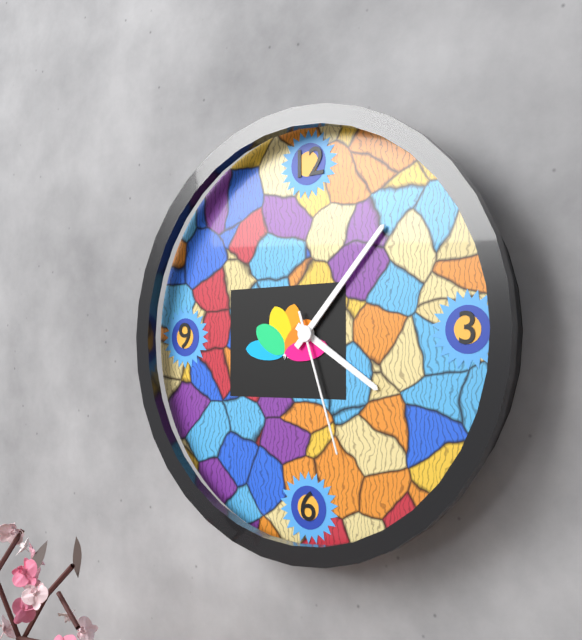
4 h 07 min 27 s
